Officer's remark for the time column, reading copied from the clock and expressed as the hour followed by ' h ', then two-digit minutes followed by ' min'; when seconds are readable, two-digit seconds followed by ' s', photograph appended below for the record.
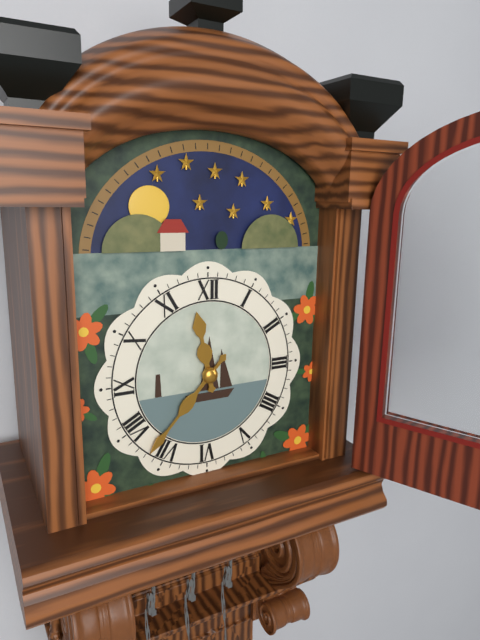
11 h 37 min
